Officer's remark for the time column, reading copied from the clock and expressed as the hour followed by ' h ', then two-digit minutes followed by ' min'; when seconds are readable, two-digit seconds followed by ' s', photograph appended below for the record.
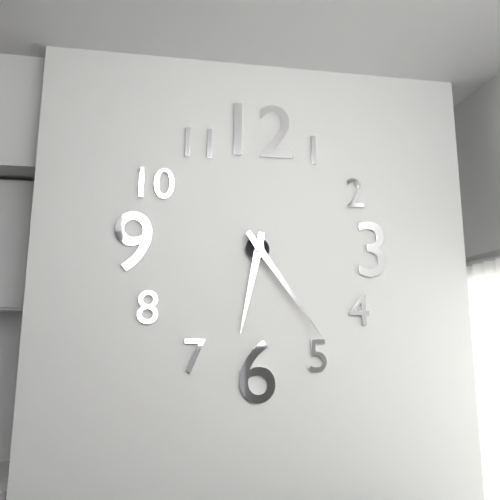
6 h 24 min
